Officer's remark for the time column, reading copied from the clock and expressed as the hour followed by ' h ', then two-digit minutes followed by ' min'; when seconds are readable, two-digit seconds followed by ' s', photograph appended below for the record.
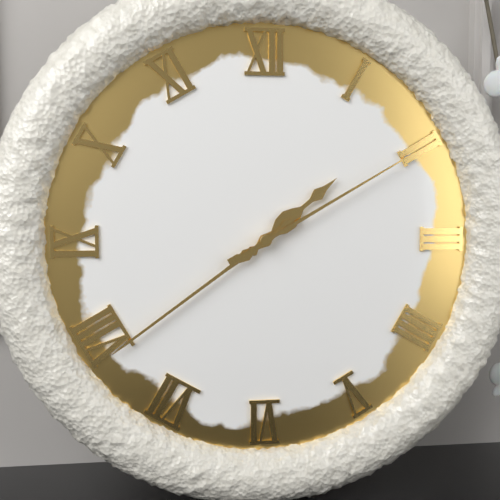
1 h 39 min 10 s
